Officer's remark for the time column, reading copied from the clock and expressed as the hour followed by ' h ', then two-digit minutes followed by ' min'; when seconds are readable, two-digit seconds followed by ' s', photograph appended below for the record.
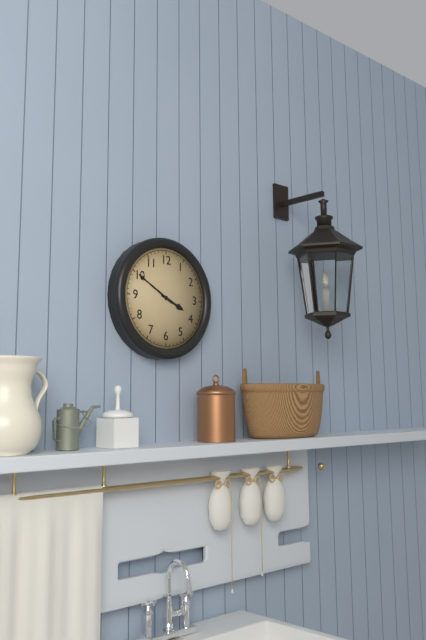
3 h 50 min
